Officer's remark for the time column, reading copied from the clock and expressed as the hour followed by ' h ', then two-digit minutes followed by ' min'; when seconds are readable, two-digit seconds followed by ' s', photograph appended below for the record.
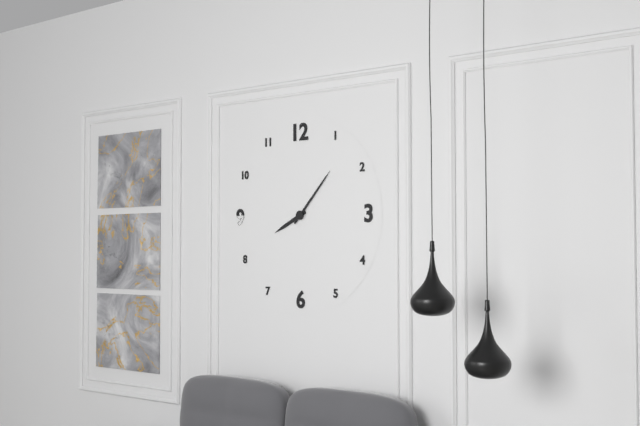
8 h 07 min
